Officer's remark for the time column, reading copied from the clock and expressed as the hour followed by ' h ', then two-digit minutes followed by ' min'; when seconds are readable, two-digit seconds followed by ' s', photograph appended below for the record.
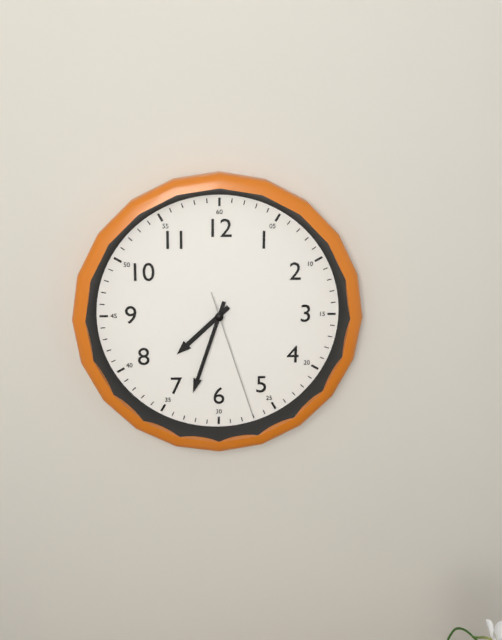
7 h 33 min 27 s
